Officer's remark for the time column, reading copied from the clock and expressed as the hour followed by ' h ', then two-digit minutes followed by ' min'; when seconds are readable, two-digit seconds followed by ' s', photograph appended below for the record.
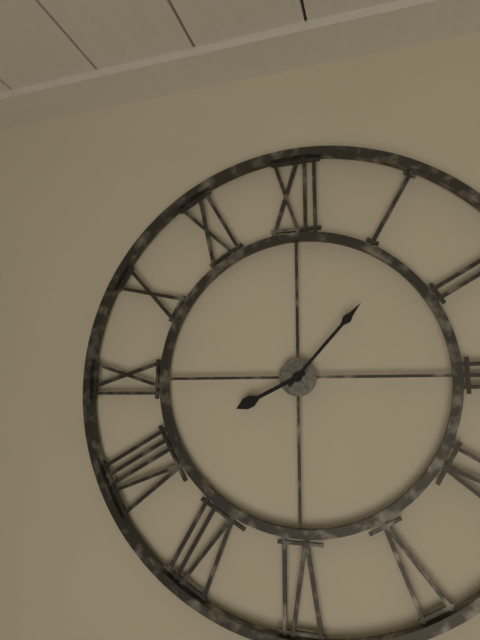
8 h 07 min
